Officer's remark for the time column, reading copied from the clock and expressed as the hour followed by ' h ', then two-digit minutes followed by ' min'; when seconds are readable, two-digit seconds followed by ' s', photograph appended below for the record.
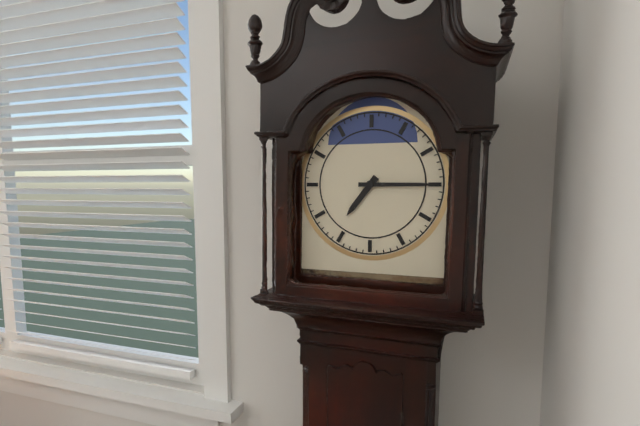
7 h 15 min
